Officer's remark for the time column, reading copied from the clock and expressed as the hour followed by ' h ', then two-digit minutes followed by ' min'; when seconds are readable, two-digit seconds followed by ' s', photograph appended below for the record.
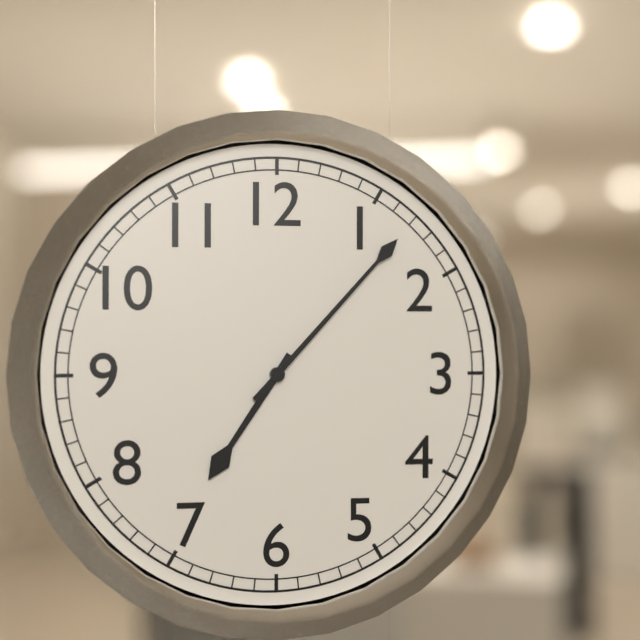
7 h 07 min
